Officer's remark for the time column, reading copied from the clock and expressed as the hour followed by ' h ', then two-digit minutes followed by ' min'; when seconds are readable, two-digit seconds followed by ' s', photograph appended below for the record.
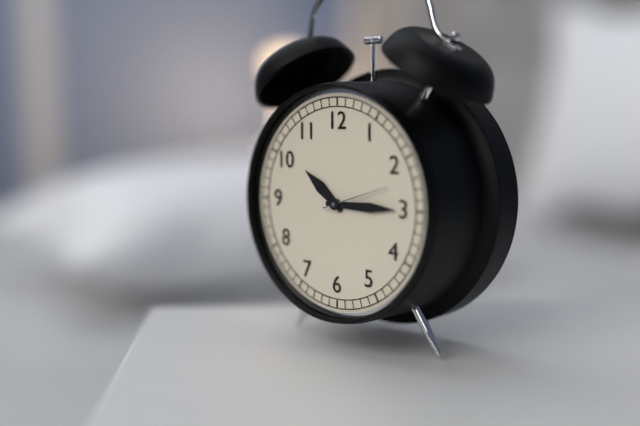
10 h 15 min 12 s
